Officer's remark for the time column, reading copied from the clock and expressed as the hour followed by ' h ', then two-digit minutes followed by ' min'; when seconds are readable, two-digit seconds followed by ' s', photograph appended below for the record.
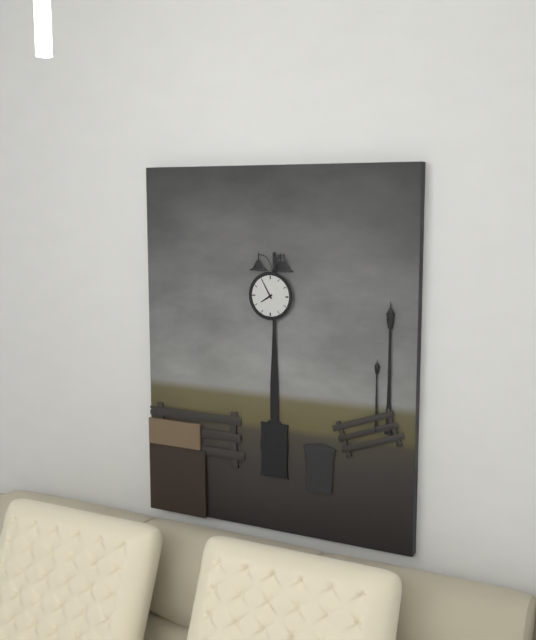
7 h 55 min
